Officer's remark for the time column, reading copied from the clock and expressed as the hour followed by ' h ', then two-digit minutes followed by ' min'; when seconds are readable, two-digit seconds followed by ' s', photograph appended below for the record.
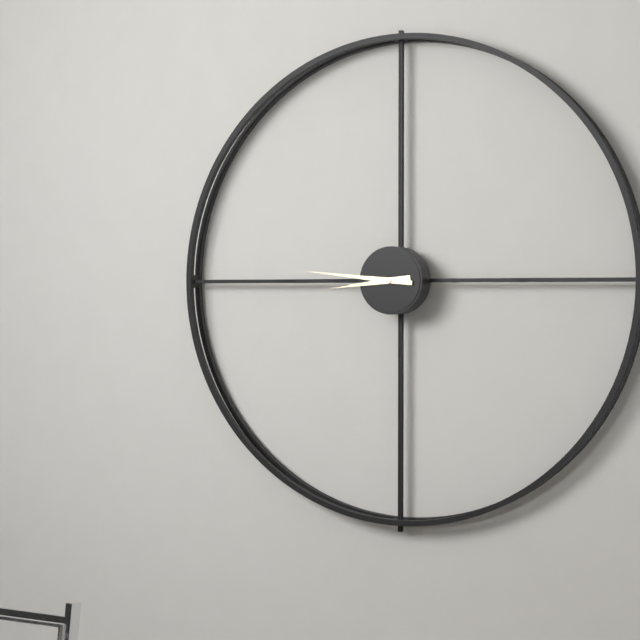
8 h 46 min
